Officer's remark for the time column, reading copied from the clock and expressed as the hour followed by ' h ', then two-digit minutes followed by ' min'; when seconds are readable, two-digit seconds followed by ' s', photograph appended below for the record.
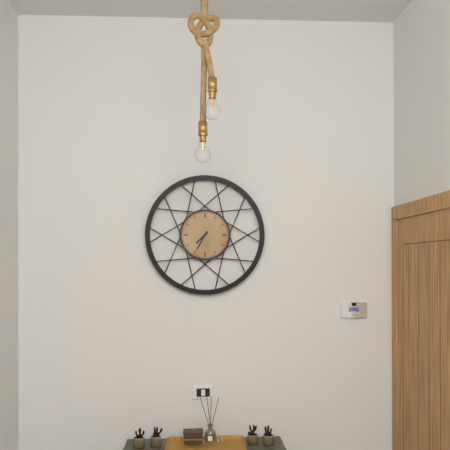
7 h 35 min
